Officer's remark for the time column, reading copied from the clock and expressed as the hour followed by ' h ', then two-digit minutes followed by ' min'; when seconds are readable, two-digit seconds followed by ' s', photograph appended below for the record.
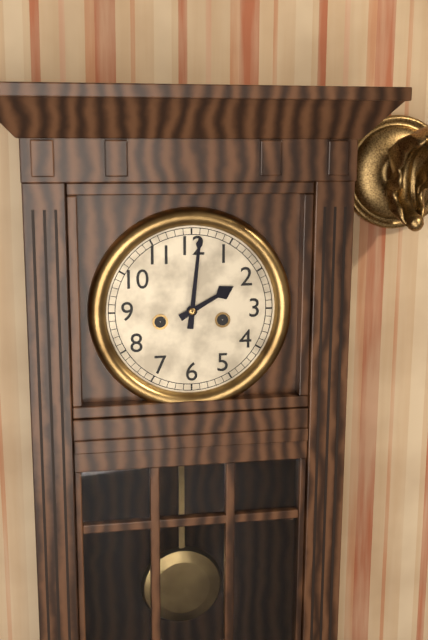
2 h 01 min
